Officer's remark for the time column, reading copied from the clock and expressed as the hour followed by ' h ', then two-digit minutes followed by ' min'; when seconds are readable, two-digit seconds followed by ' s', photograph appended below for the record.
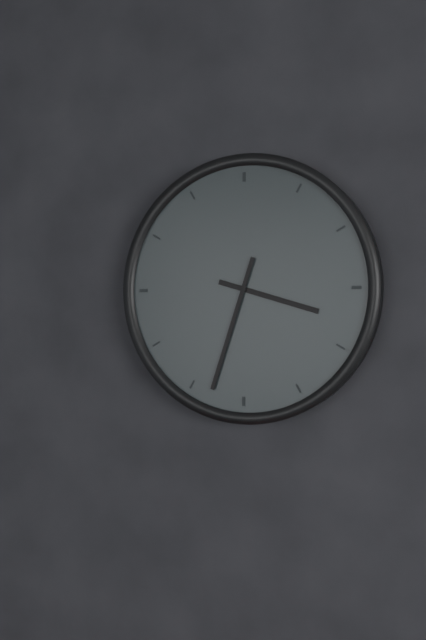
3 h 33 min
